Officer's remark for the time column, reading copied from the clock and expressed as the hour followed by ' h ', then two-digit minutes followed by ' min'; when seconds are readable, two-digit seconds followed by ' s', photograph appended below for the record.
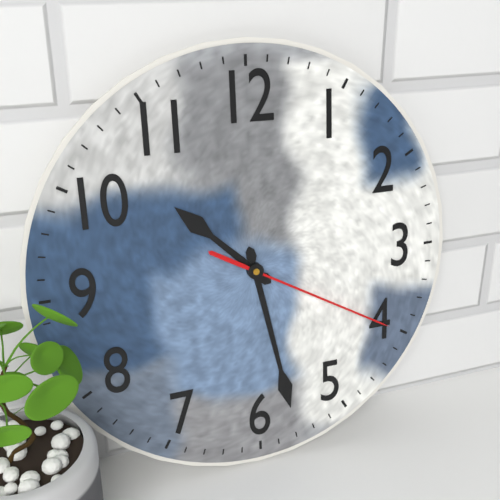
10 h 28 min 20 s
